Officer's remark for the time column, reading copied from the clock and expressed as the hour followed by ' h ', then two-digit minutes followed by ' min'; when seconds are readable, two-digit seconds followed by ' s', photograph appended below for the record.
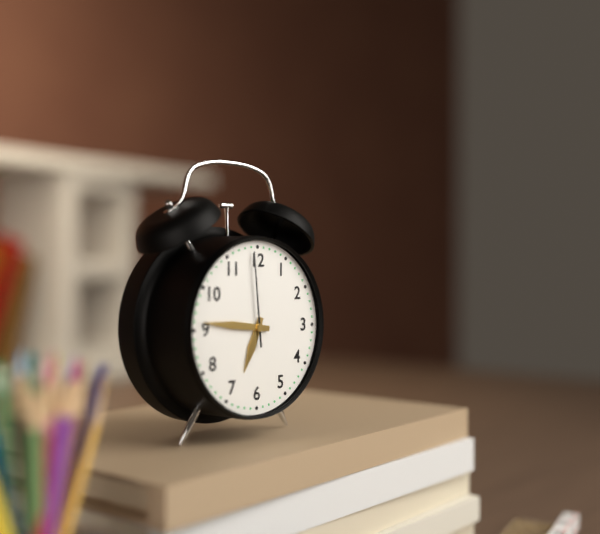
6 h 46 min 59 s
